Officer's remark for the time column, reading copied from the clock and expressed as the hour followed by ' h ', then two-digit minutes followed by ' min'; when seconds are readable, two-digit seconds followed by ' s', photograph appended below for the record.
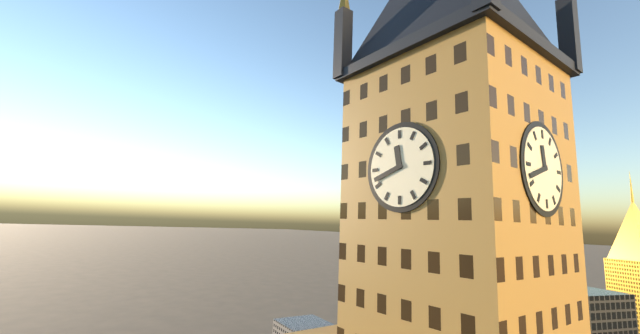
11 h 42 min
